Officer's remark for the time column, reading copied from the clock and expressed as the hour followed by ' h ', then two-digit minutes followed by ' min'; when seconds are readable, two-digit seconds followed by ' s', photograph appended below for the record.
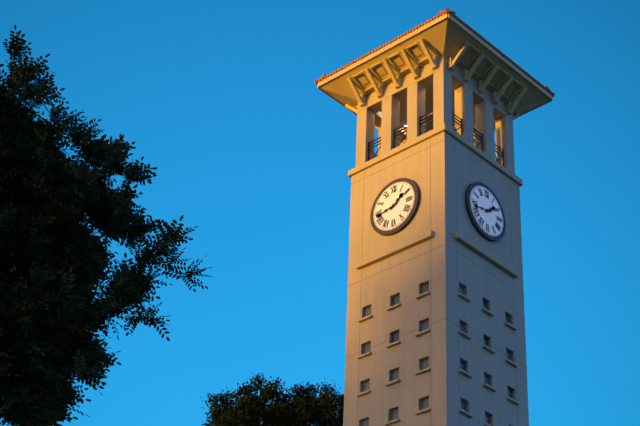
1 h 43 min
